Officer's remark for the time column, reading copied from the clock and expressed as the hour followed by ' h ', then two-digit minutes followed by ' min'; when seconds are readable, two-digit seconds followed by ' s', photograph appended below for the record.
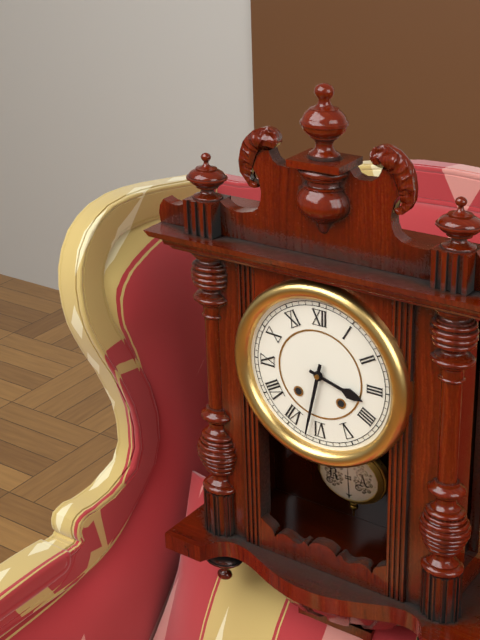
3 h 32 min
